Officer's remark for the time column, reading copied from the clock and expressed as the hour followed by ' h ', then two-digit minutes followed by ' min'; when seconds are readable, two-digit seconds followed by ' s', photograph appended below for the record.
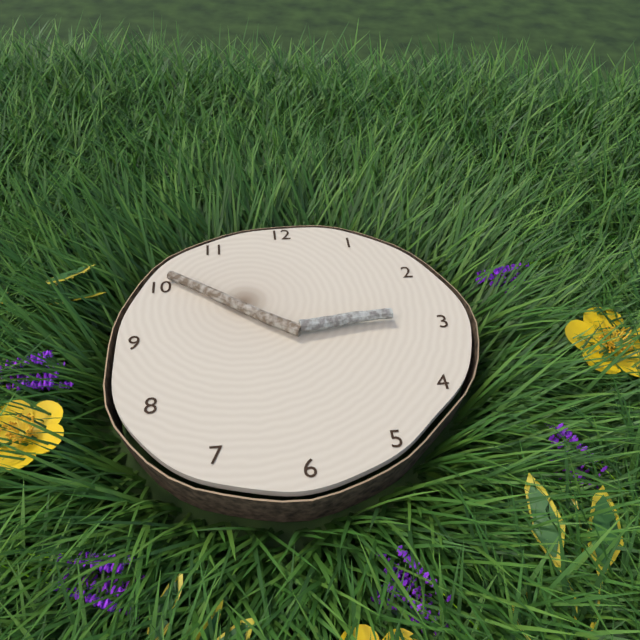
2 h 51 min
